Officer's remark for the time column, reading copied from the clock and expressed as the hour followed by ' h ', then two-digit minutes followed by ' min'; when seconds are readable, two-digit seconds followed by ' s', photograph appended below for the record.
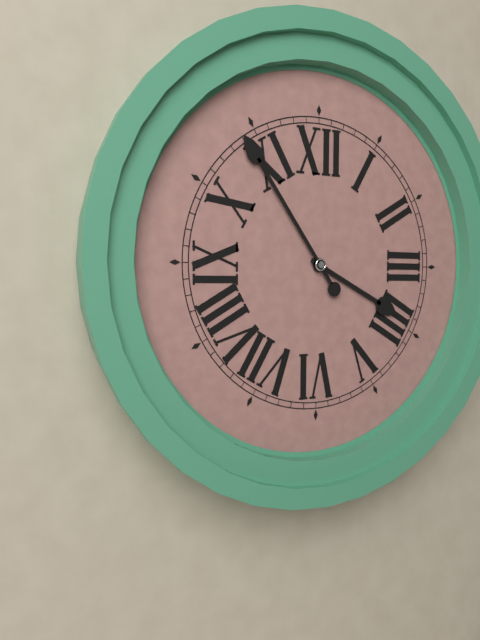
3 h 54 min
